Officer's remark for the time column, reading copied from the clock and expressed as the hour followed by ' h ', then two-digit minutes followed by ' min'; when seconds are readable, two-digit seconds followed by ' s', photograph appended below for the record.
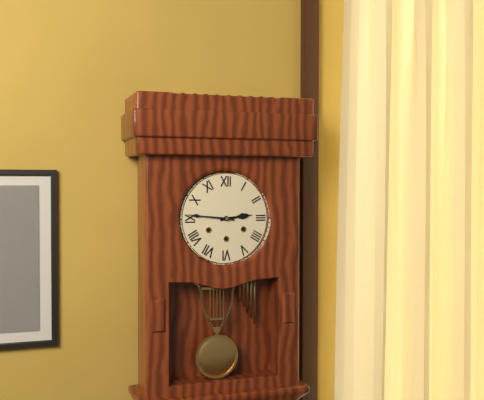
2 h 46 min
